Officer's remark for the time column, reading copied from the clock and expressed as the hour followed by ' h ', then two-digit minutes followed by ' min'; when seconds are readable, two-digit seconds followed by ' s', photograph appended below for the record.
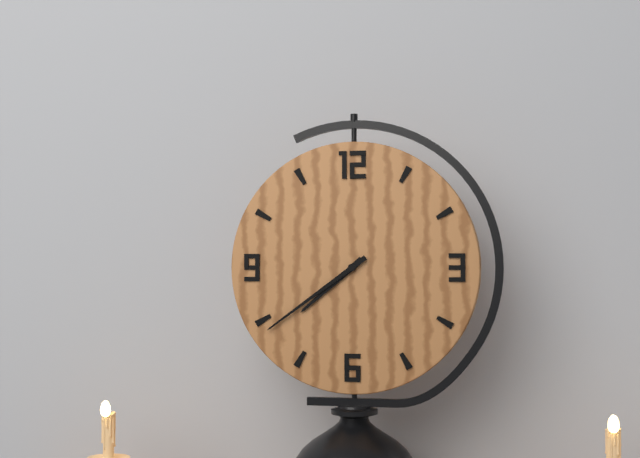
7 h 39 min
